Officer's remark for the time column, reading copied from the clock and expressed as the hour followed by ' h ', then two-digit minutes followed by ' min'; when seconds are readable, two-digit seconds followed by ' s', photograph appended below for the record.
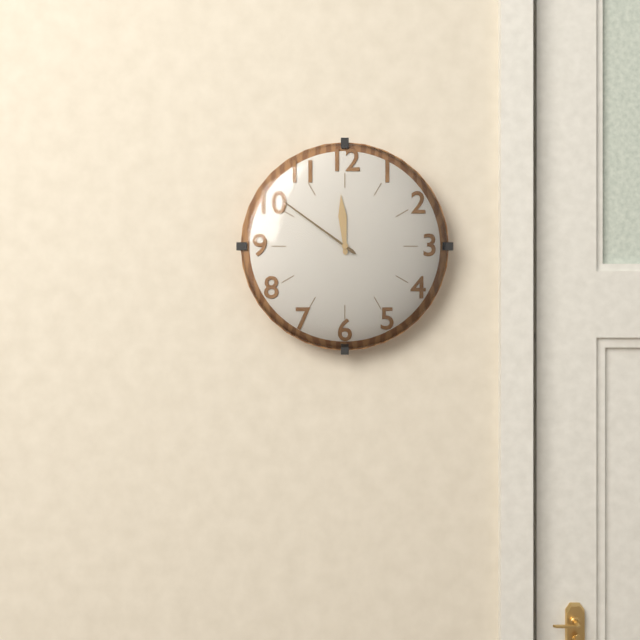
11 h 51 min
